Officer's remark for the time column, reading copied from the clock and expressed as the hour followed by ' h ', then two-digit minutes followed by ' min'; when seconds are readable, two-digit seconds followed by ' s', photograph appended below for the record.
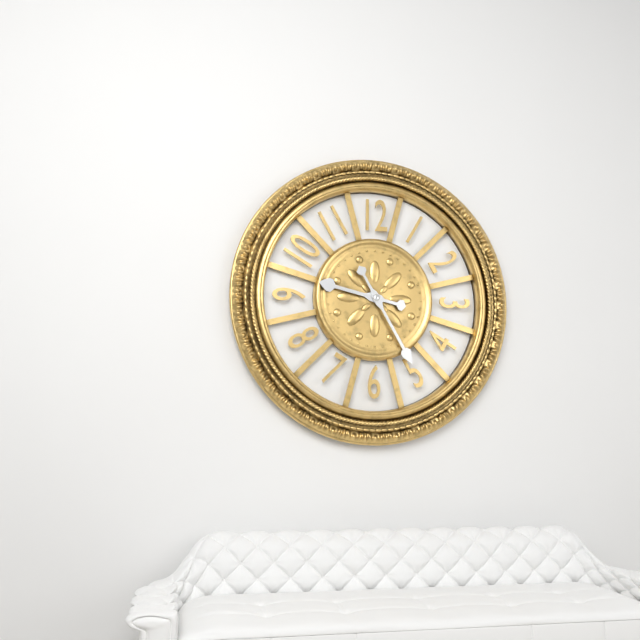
9 h 25 min
